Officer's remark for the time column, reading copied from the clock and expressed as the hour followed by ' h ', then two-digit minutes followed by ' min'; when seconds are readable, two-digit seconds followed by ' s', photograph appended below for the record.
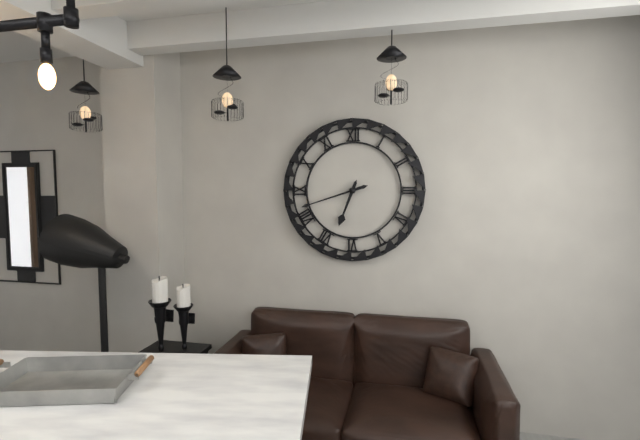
6 h 42 min
